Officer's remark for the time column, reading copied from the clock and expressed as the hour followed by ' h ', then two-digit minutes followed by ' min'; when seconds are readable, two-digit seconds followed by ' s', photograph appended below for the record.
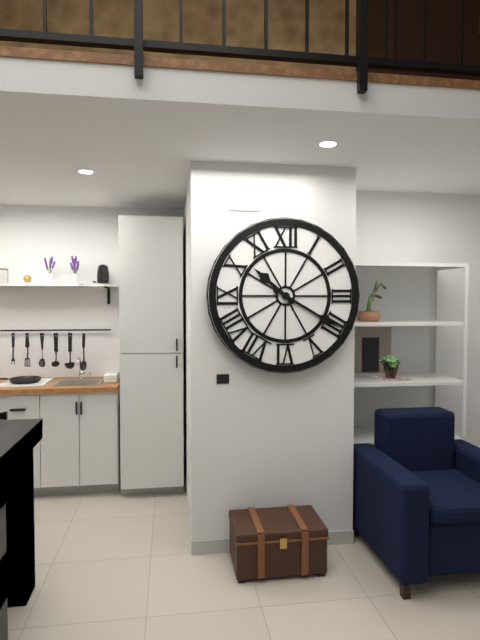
10 h 20 min
